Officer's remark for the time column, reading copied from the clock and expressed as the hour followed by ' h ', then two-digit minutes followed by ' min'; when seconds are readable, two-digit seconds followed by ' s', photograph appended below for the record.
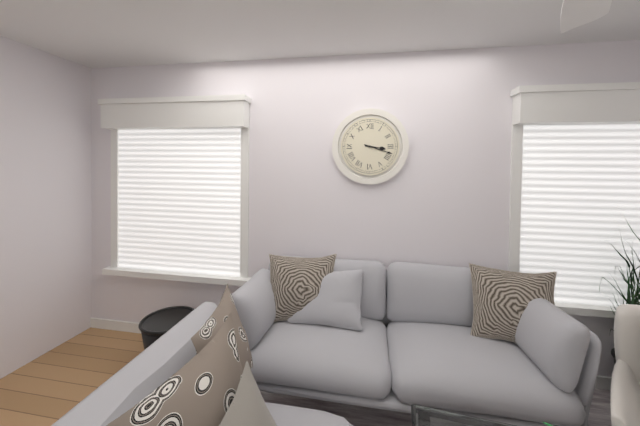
3 h 18 min
